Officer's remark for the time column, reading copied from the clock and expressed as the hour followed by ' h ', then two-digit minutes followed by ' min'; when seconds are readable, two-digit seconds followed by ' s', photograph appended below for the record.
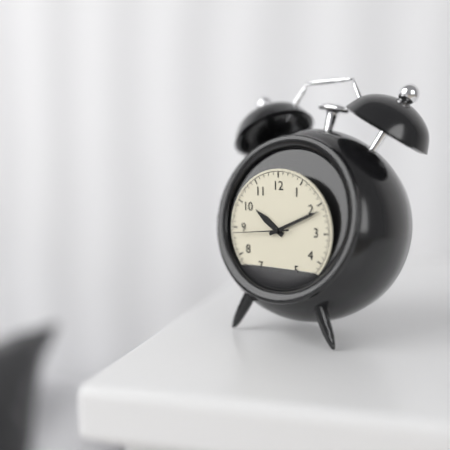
10 h 11 min 44 s
